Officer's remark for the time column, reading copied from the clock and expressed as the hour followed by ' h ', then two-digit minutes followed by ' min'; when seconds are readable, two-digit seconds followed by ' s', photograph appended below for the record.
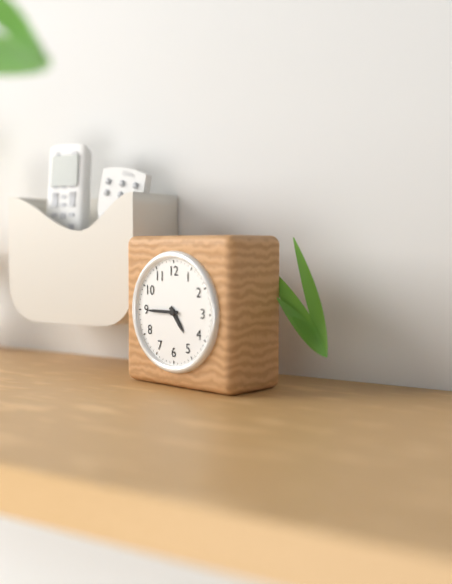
4 h 45 min
